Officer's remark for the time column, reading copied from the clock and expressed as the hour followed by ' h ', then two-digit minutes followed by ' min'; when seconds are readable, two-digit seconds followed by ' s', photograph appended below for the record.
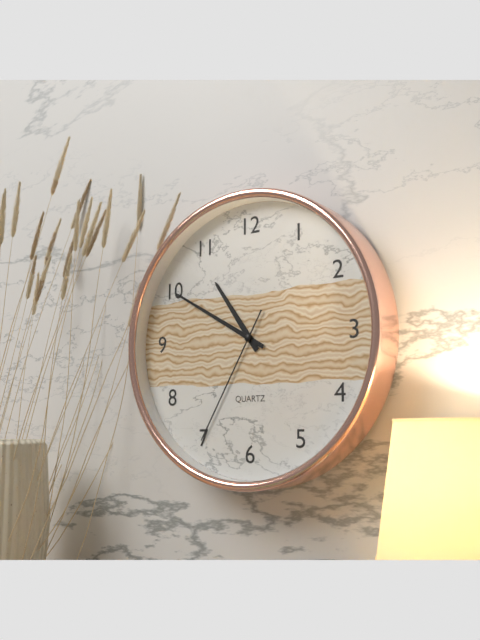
10 h 50 min 35 s
